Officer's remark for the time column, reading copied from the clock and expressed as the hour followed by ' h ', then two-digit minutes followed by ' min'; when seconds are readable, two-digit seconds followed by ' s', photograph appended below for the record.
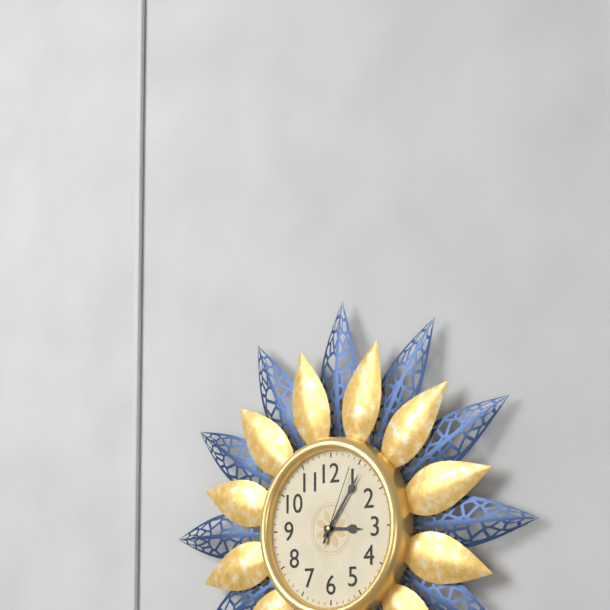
3 h 06 min 04 s
